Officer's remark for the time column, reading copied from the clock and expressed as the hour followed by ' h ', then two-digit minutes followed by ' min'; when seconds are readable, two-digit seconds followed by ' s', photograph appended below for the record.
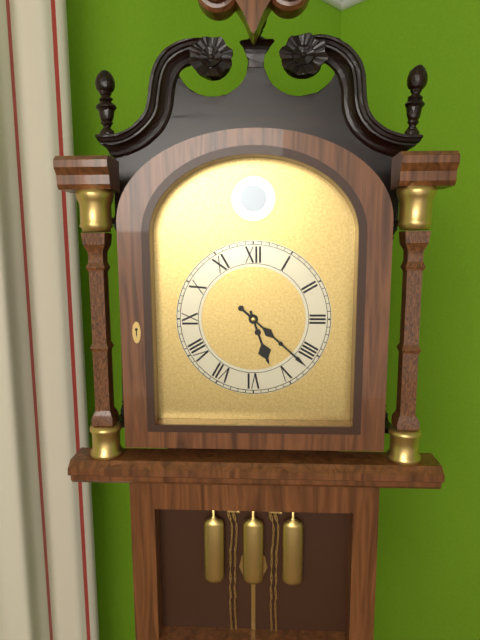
5 h 22 min
